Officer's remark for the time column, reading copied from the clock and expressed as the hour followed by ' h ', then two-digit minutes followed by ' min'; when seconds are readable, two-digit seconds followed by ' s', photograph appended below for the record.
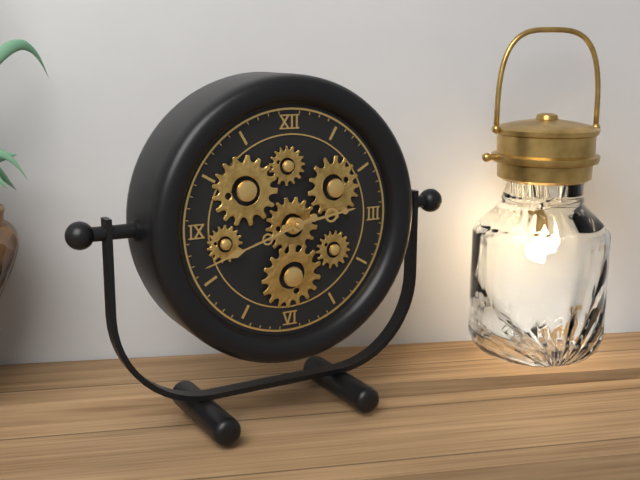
2 h 42 min
